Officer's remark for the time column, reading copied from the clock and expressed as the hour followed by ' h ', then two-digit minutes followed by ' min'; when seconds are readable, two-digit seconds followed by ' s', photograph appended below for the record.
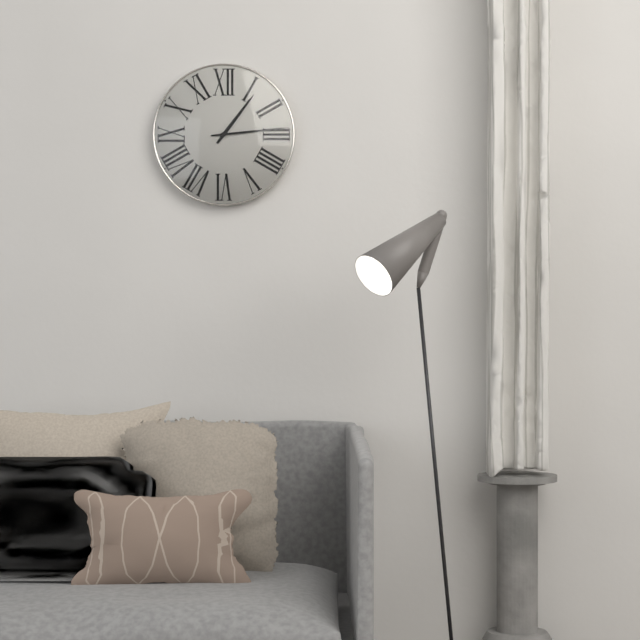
1 h 14 min
